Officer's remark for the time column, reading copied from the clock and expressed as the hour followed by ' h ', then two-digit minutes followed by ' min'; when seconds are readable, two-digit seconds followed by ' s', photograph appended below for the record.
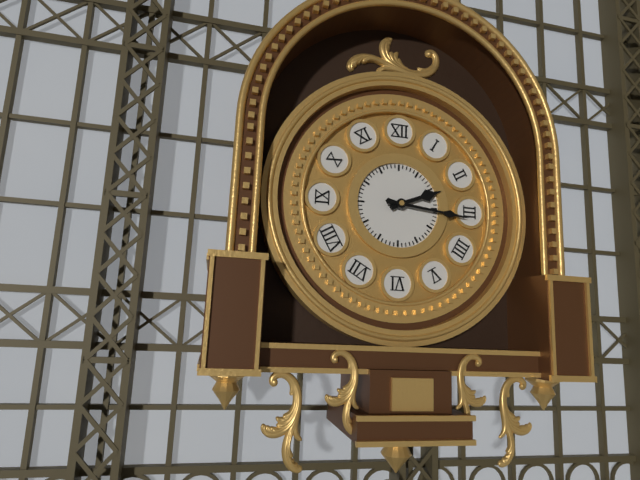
2 h 16 min
